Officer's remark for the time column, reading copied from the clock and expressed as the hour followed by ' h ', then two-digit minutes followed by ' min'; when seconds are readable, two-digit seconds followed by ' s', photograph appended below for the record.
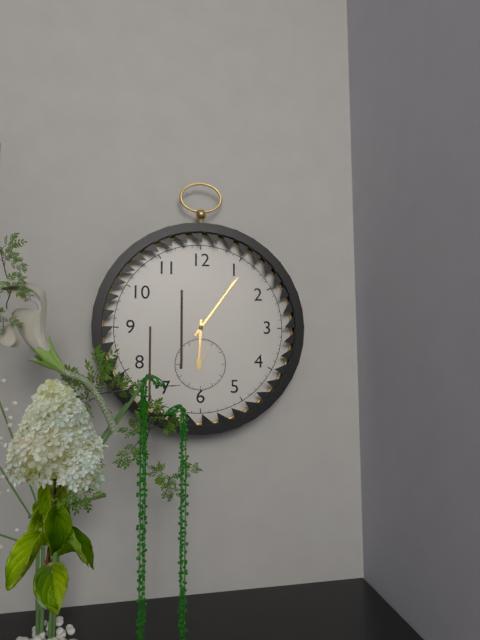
6 h 06 min
